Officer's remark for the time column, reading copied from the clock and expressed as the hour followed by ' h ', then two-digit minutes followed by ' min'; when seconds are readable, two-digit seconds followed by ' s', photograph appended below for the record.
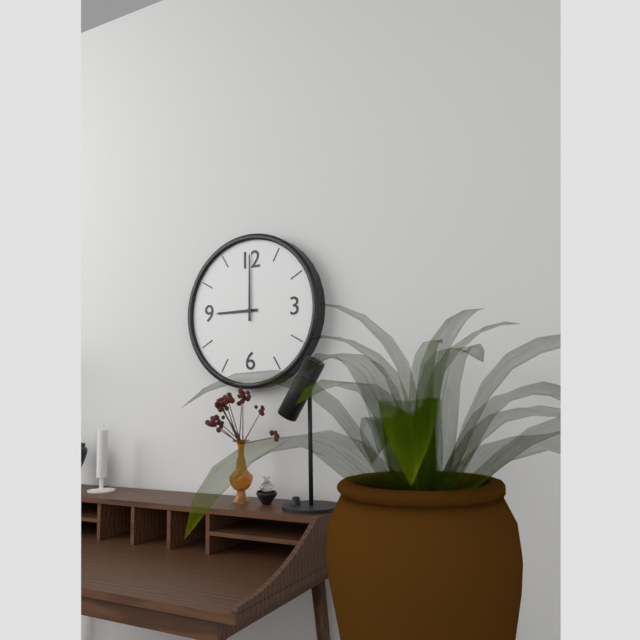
9 h 00 min
